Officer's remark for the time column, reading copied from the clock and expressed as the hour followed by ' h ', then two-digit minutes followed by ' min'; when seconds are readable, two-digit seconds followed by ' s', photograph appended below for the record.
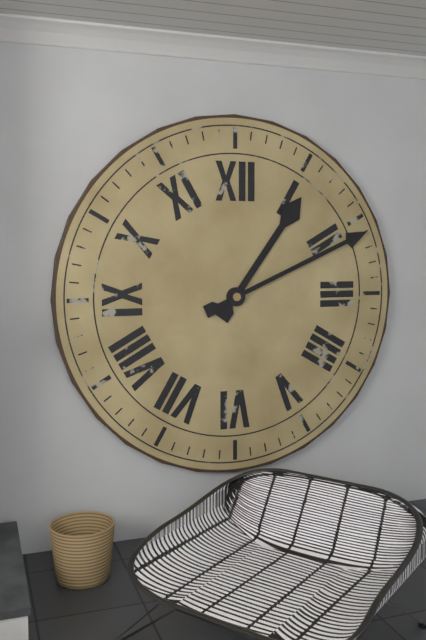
1 h 11 min
